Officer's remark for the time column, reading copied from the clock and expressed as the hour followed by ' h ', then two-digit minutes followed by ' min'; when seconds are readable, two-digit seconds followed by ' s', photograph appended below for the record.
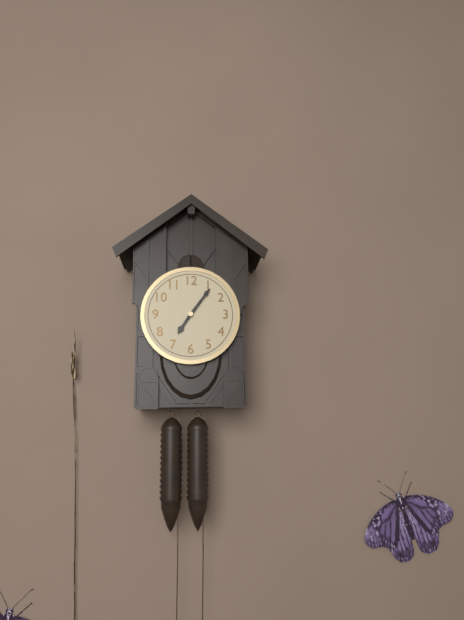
7 h 06 min
